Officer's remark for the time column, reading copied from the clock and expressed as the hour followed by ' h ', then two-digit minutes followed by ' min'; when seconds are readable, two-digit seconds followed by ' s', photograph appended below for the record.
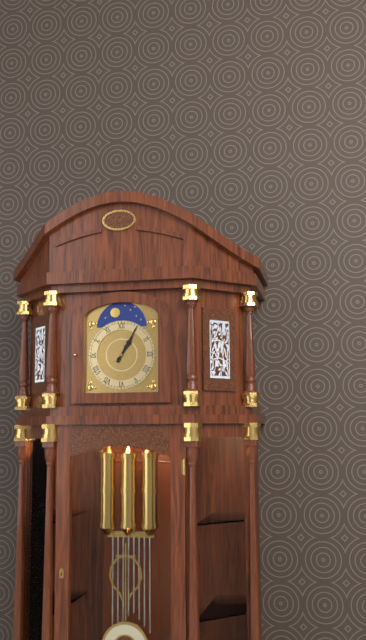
1 h 05 min
